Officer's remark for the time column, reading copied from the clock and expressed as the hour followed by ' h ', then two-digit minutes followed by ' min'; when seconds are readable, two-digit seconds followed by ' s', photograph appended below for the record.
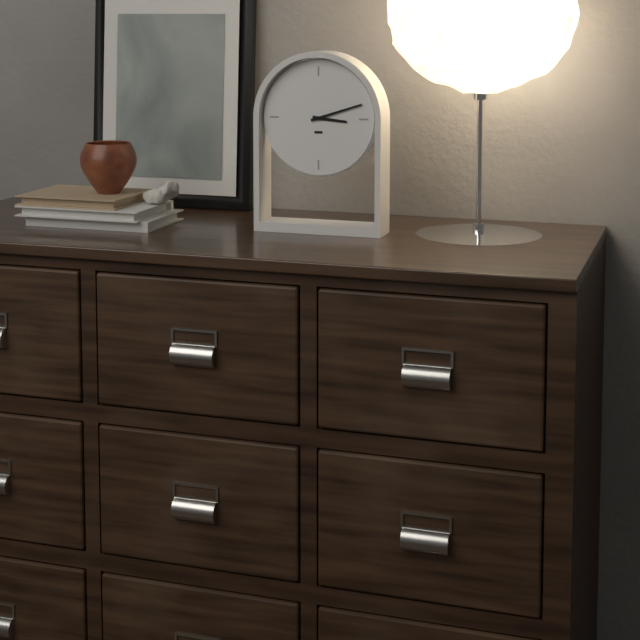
3 h 12 min
